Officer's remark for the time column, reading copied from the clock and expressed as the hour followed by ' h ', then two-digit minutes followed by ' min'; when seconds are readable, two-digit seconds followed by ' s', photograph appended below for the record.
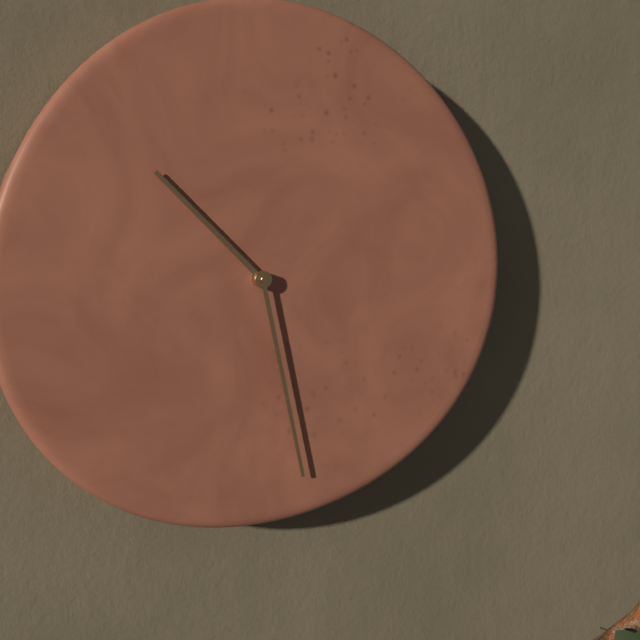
10 h 28 min
